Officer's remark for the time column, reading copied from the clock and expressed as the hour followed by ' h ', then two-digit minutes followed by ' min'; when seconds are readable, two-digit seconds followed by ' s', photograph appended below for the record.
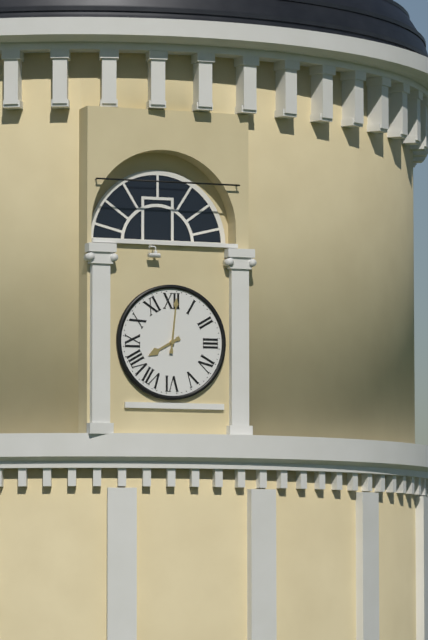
8 h 01 min
